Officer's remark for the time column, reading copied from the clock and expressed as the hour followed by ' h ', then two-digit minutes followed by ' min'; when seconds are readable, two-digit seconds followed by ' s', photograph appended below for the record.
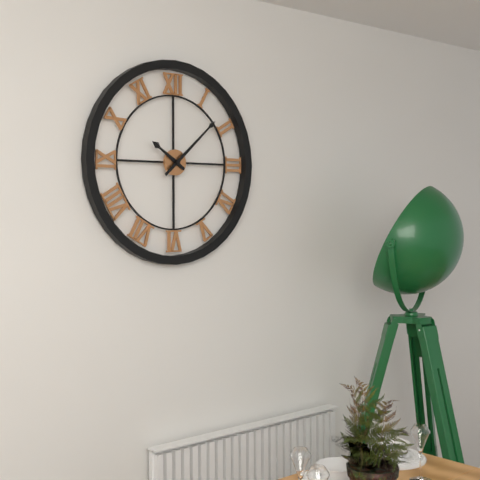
10 h 08 min
